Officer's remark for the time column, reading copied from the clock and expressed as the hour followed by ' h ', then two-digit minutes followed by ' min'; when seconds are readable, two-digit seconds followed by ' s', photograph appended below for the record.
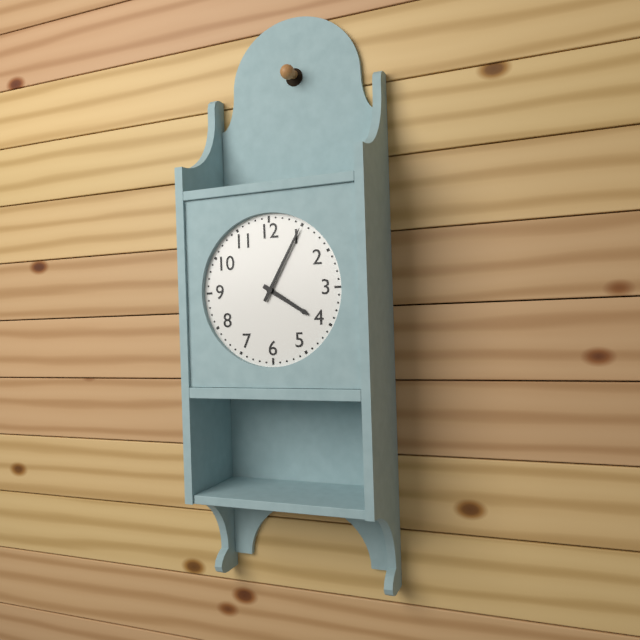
4 h 05 min
